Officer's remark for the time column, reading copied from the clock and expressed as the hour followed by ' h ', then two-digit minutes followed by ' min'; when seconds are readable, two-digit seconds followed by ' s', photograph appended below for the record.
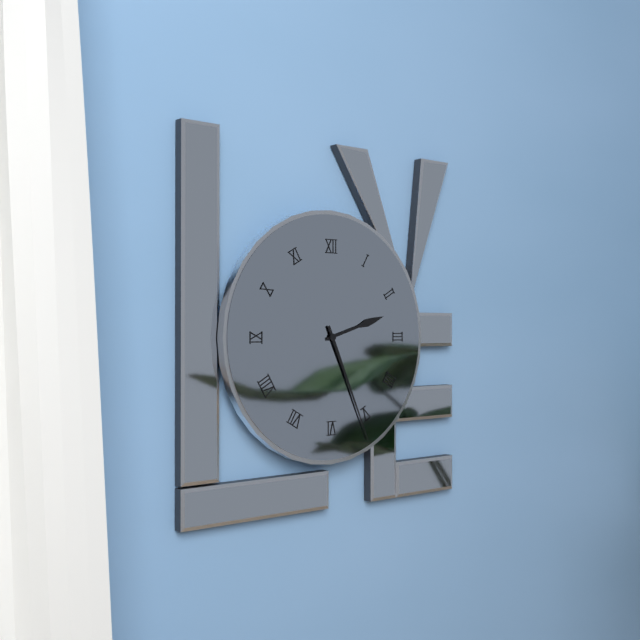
2 h 26 min
